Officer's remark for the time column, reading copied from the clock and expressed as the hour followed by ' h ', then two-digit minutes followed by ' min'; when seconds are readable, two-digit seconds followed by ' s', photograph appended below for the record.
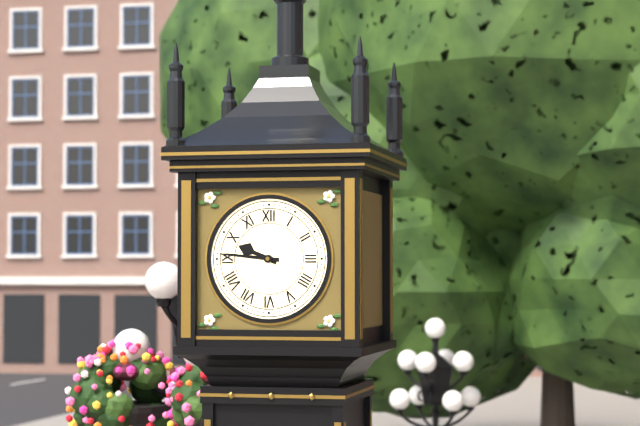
9 h 46 min
